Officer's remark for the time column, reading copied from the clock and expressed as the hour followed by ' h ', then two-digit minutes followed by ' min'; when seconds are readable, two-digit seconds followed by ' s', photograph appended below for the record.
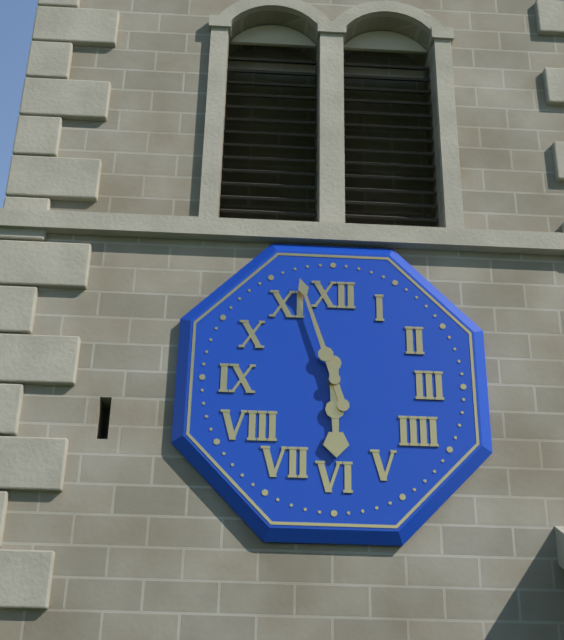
5 h 57 min
